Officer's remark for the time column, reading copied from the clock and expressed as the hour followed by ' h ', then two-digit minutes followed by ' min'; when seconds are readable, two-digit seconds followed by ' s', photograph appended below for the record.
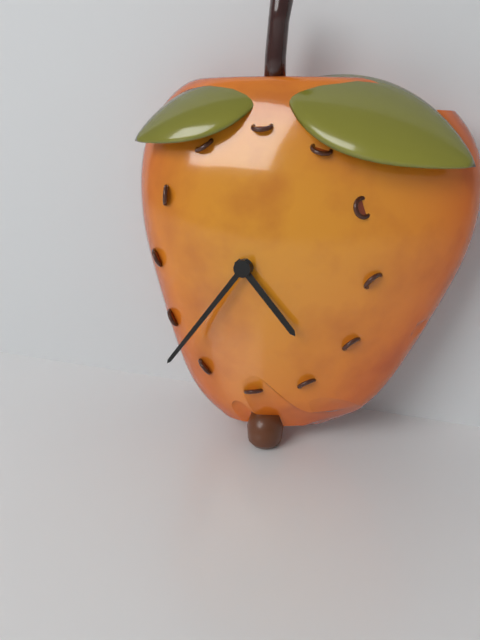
4 h 36 min
